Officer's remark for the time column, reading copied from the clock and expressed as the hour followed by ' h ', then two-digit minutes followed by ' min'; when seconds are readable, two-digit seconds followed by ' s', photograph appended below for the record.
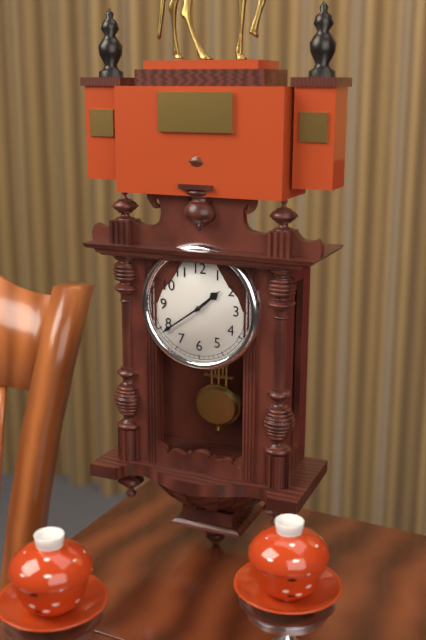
1 h 39 min
